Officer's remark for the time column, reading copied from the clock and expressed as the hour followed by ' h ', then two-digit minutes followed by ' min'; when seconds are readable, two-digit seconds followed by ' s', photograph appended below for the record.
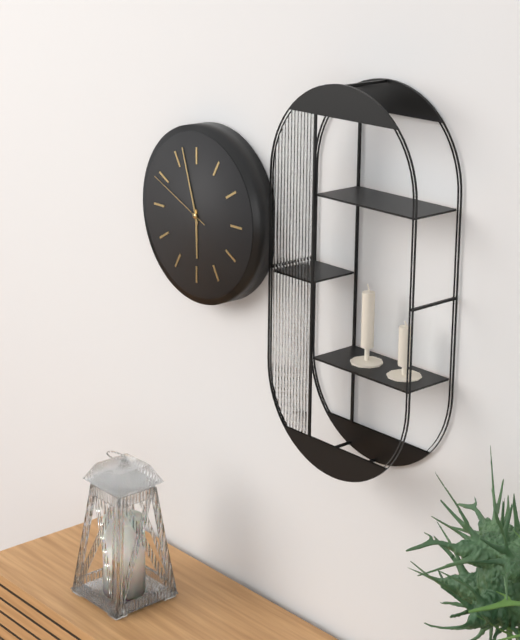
5 h 57 min 49 s
